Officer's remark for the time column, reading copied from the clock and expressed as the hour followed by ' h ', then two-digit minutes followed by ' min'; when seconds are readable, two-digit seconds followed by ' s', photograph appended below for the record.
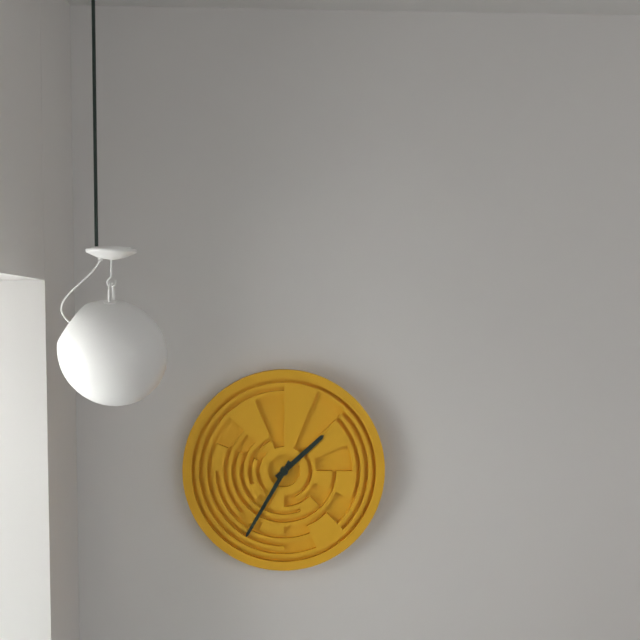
1 h 35 min
